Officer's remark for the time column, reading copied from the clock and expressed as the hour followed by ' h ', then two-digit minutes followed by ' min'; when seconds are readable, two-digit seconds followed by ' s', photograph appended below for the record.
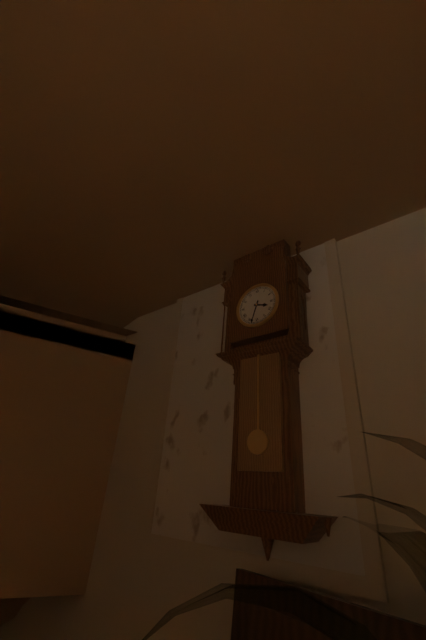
3 h 33 min
